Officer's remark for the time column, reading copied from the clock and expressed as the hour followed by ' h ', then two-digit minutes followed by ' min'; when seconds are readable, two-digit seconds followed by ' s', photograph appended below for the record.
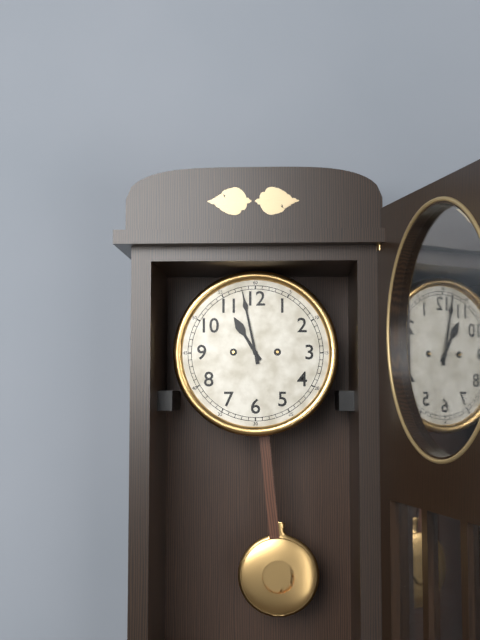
10 h 58 min
